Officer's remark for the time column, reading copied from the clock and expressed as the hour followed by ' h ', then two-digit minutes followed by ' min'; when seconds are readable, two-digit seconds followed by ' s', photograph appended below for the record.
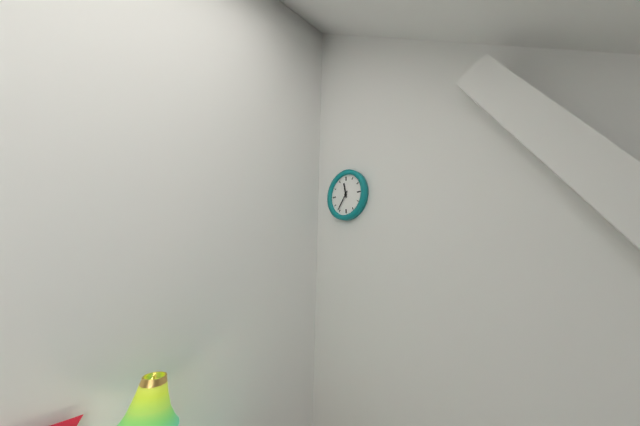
11 h 36 min
